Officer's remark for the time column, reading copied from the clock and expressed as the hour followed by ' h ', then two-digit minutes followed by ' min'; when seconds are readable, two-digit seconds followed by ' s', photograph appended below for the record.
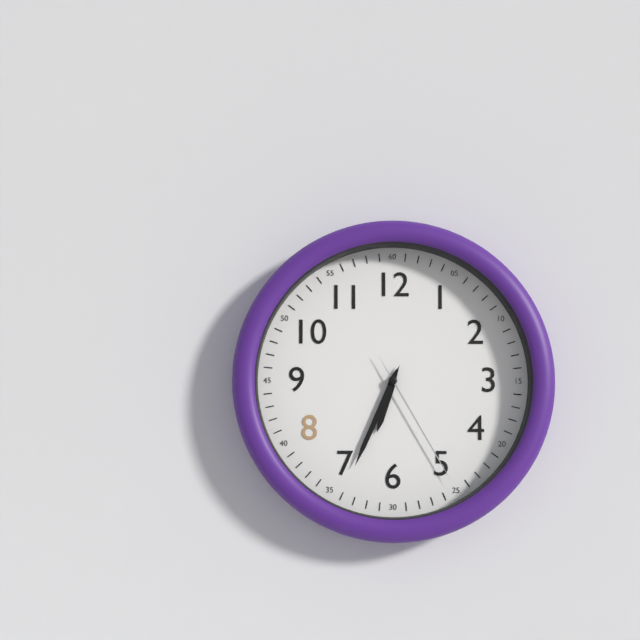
6 h 34 min 25 s
